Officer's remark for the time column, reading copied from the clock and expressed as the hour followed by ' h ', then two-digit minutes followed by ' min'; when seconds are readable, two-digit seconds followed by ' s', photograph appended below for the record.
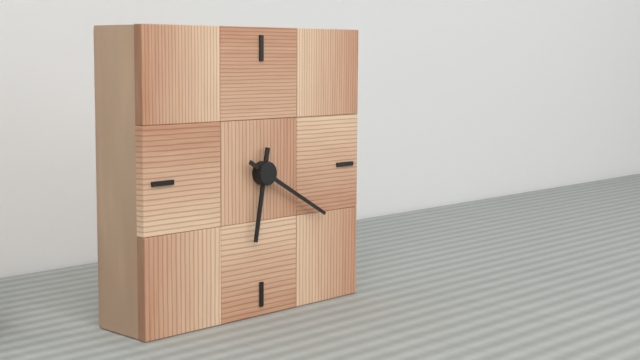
6 h 20 min
